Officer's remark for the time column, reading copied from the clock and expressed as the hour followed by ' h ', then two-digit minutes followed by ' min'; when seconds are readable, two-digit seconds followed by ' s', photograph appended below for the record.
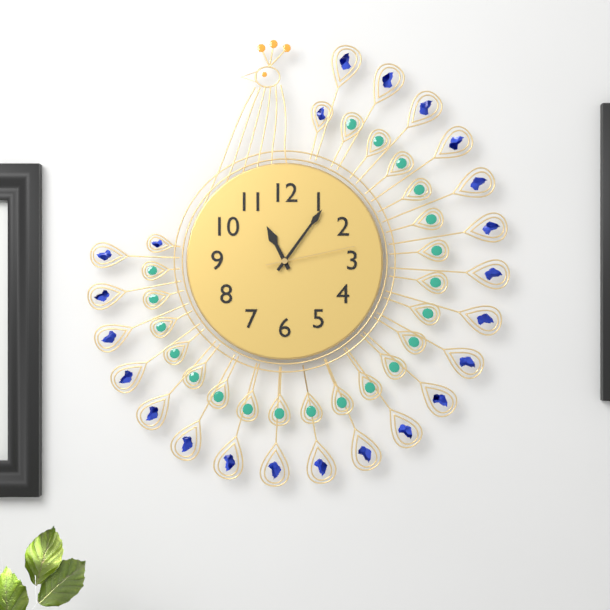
11 h 06 min 13 s
